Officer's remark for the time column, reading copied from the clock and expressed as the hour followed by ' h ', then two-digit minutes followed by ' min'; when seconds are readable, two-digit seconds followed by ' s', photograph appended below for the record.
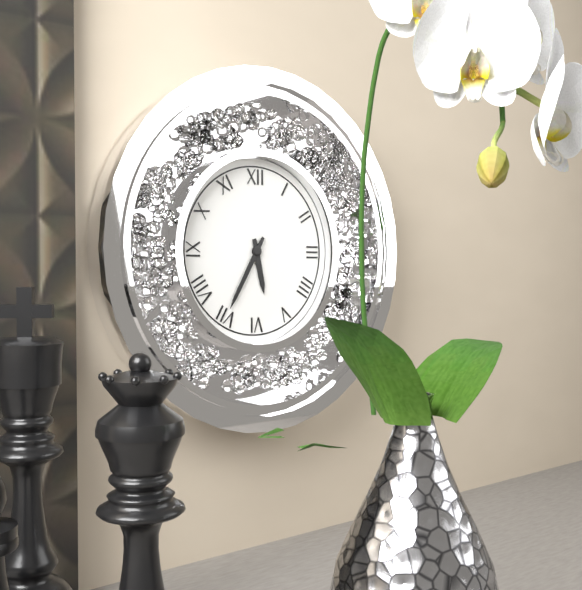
5 h 35 min
